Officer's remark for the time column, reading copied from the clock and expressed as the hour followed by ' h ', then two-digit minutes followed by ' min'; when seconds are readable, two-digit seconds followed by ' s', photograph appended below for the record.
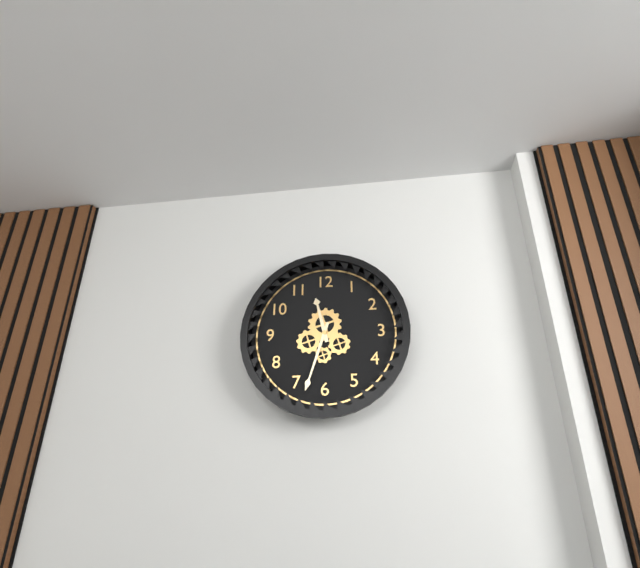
11 h 33 min
